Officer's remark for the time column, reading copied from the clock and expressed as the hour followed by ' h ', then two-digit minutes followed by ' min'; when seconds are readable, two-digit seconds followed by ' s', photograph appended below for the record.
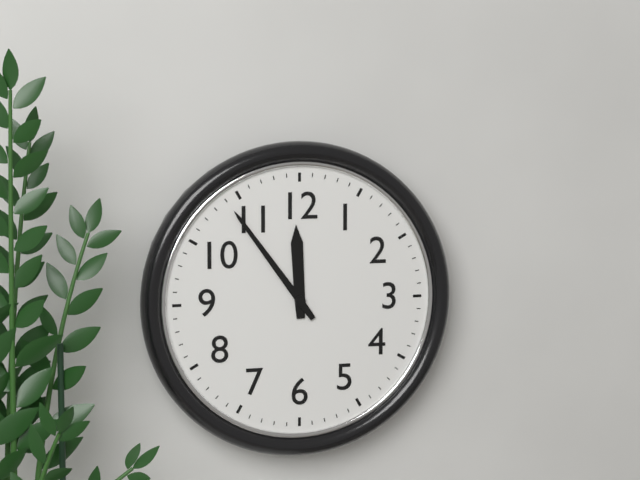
11 h 54 min
